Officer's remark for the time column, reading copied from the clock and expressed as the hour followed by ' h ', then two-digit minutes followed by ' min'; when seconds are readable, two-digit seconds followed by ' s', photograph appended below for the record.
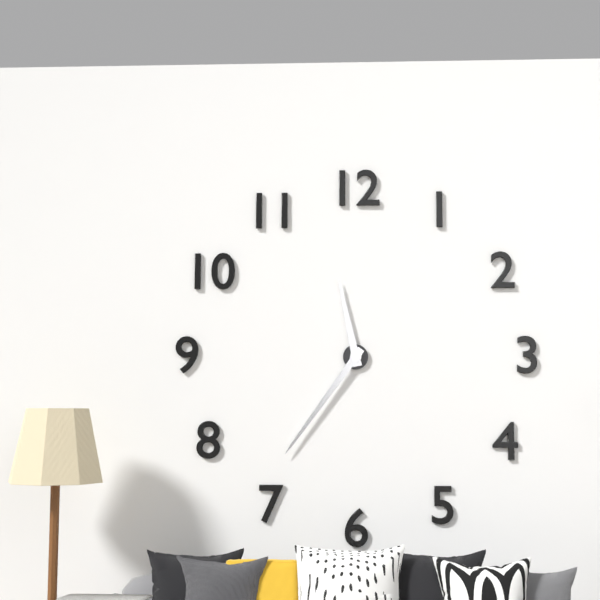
11 h 36 min
